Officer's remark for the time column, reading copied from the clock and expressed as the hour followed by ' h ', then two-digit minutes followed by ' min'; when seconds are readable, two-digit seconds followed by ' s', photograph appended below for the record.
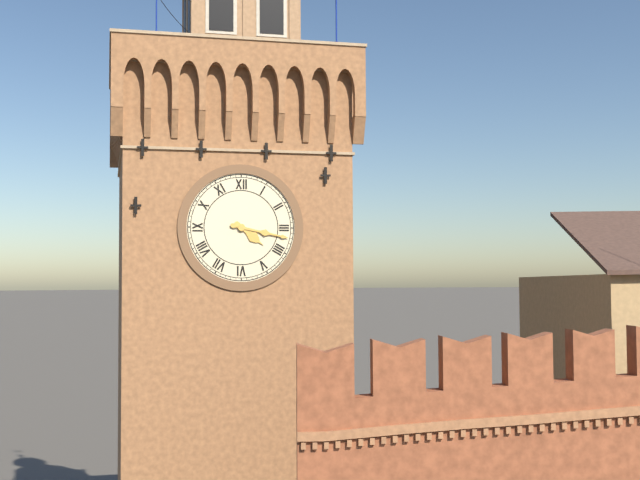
4 h 17 min
